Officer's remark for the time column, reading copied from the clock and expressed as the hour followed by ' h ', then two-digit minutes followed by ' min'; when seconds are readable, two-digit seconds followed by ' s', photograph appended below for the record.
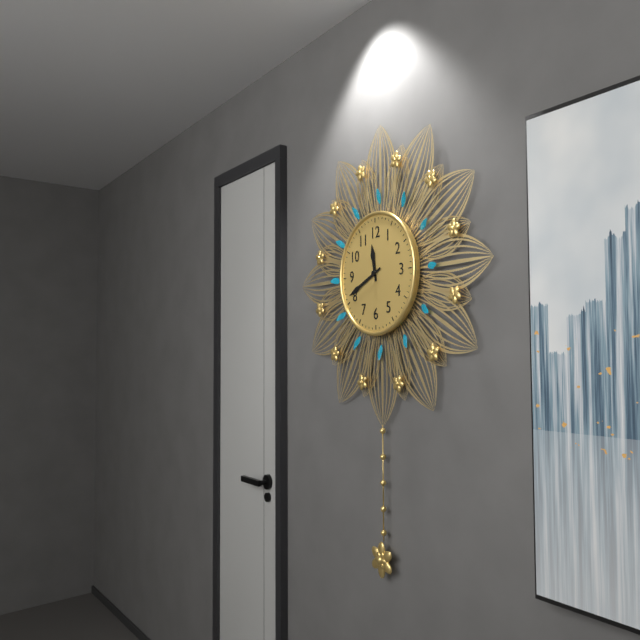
11 h 41 min
